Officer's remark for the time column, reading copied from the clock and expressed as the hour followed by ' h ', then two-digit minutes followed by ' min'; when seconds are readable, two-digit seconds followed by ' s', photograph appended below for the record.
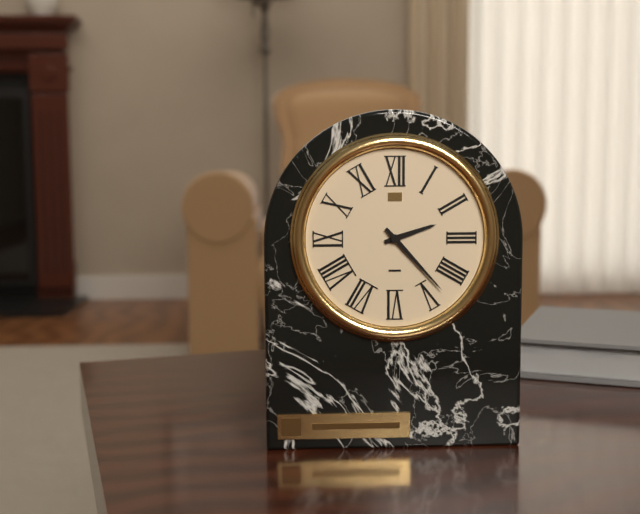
2 h 23 min
